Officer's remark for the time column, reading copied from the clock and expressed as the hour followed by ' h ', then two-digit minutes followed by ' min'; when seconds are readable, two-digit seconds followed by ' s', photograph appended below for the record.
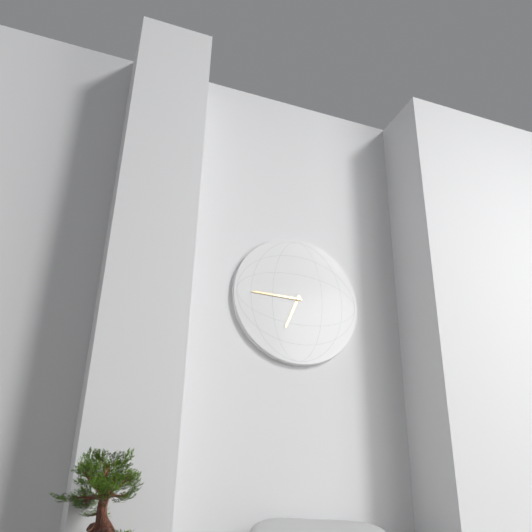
6 h 45 min
